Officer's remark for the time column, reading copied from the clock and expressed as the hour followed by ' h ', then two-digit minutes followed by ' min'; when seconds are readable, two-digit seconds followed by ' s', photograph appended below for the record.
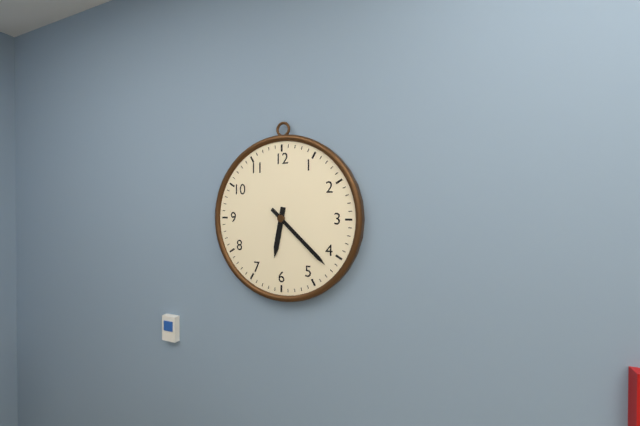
6 h 22 min
